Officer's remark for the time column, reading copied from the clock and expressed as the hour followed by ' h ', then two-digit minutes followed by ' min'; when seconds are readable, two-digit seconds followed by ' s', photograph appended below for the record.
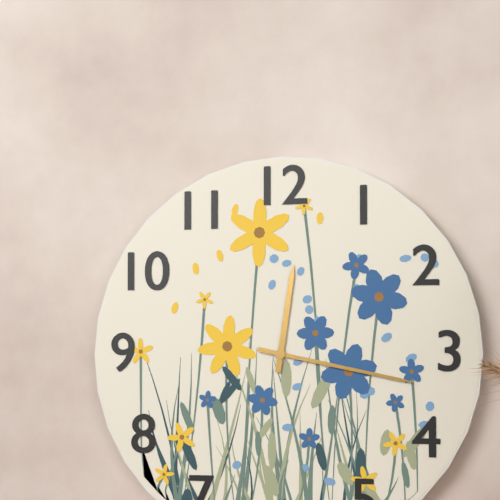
12 h 17 min
